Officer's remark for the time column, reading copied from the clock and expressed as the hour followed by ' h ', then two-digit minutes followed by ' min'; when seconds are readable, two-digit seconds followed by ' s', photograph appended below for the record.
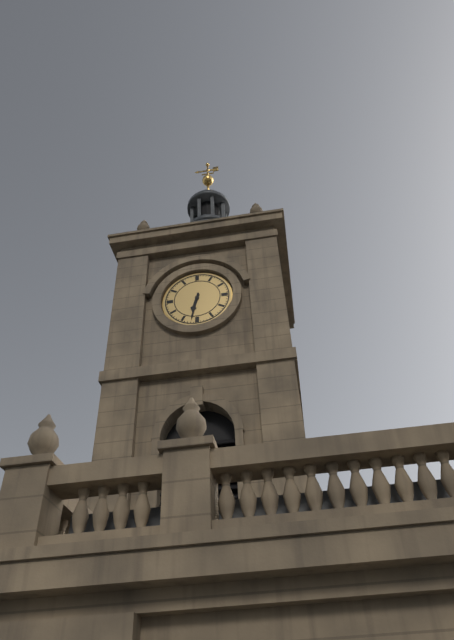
6 h 32 min
